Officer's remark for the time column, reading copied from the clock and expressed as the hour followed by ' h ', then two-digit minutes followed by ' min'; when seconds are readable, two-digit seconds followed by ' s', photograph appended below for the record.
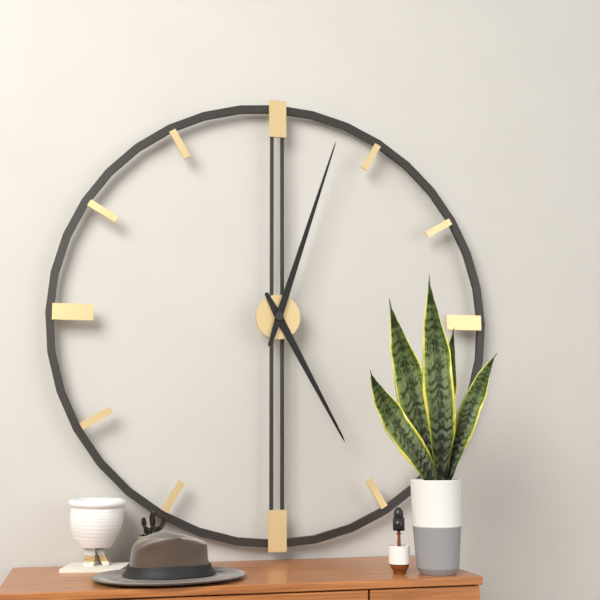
5 h 03 min
